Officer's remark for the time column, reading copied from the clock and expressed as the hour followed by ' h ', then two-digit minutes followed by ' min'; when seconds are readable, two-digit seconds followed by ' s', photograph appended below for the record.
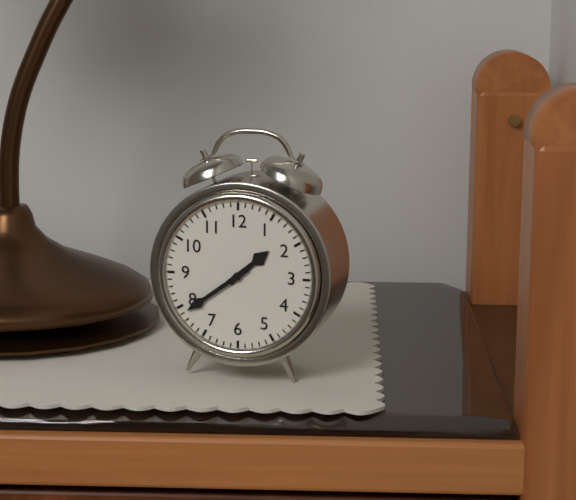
1 h 39 min
